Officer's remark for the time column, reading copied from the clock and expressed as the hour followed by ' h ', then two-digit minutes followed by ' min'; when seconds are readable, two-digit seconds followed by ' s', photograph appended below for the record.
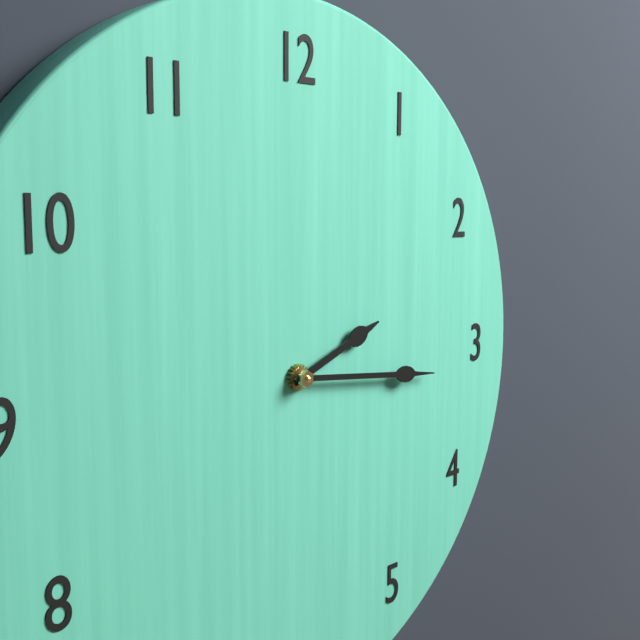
2 h 16 min
